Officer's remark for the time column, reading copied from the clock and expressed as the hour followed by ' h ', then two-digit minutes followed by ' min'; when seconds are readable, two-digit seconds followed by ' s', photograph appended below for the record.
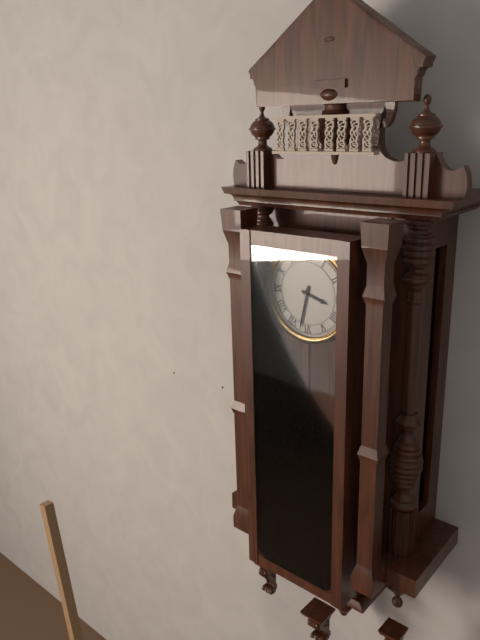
3 h 32 min
